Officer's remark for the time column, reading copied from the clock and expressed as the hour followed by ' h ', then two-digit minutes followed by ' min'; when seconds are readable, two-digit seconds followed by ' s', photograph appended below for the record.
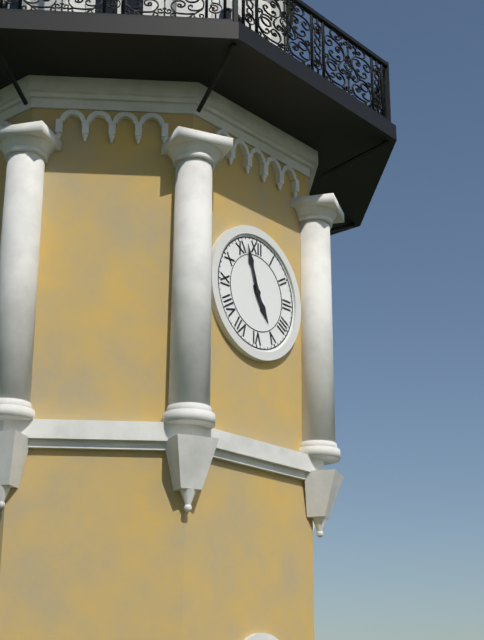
4 h 57 min
